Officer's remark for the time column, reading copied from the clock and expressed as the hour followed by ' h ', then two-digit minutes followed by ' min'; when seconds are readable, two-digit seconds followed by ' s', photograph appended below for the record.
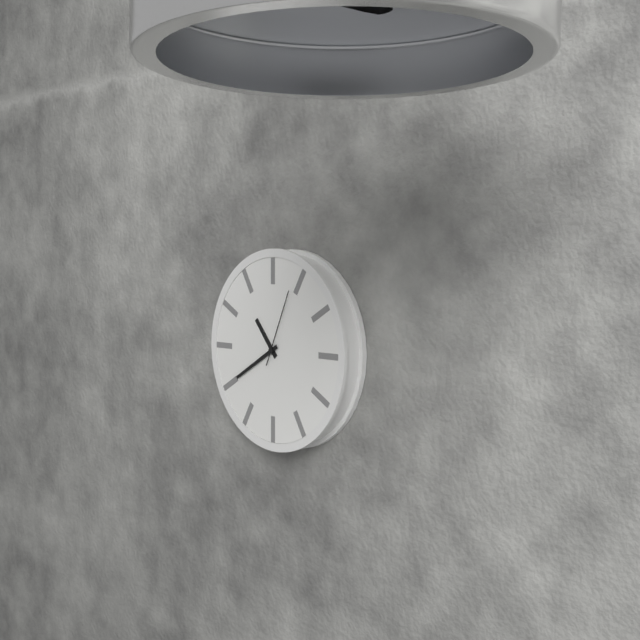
10 h 40 min 04 s
